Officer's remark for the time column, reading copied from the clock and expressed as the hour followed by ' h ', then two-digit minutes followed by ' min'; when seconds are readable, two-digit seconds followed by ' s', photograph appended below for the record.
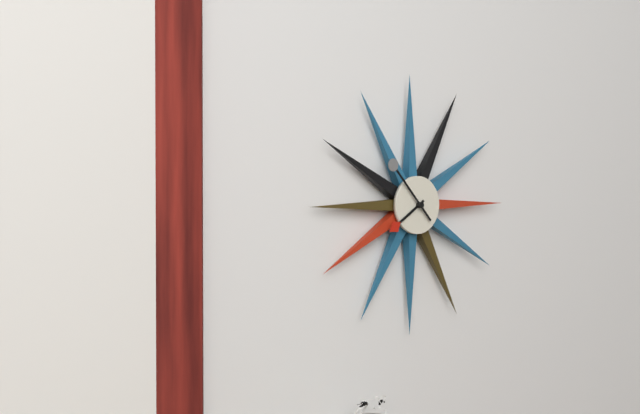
7 h 53 min
